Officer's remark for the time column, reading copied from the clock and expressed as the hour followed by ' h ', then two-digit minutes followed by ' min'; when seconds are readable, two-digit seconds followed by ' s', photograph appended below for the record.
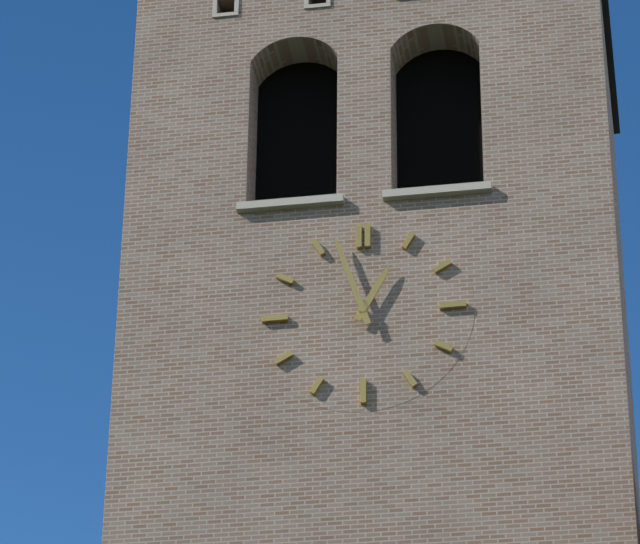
12 h 57 min
